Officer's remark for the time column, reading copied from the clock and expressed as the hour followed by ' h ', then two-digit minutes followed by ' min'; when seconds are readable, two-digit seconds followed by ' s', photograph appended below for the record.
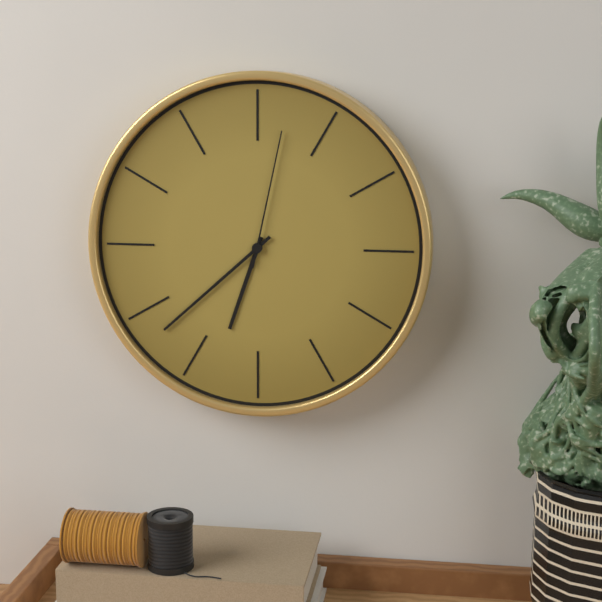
6 h 38 min 02 s
